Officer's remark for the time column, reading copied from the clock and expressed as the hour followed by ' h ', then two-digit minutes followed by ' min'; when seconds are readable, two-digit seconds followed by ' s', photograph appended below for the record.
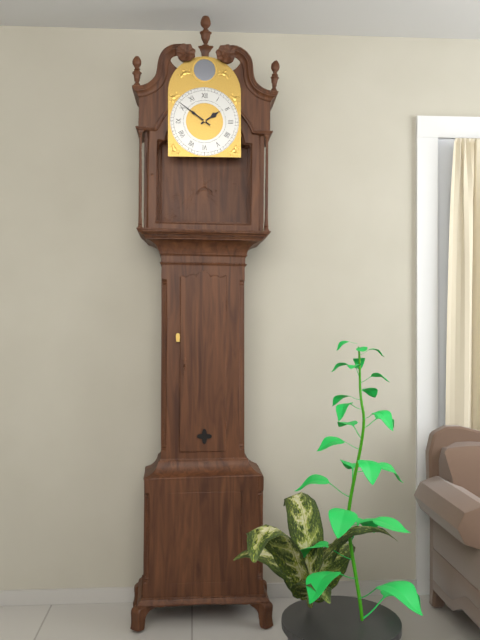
1 h 51 min
